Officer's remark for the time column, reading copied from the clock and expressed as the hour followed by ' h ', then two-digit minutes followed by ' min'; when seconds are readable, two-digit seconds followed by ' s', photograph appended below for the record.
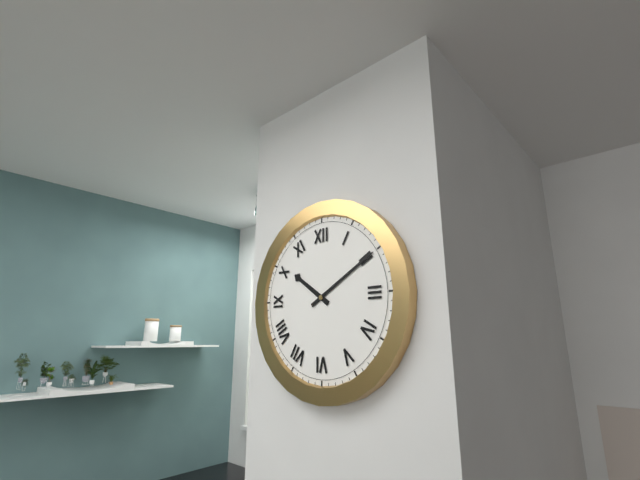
10 h 10 min
